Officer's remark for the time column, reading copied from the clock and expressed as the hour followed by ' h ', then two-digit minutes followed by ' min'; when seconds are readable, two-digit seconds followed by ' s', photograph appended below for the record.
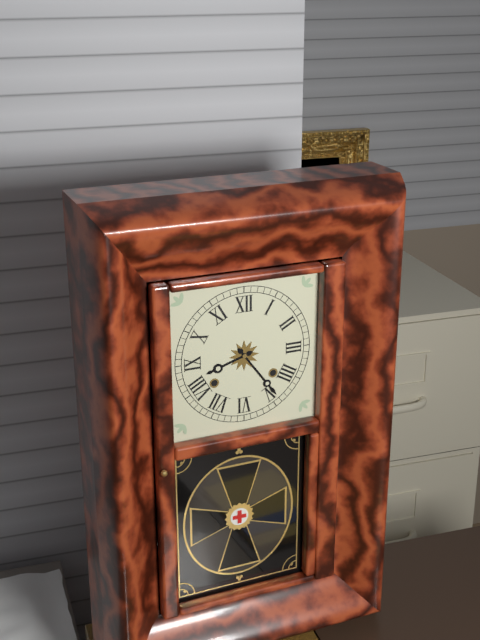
8 h 24 min
